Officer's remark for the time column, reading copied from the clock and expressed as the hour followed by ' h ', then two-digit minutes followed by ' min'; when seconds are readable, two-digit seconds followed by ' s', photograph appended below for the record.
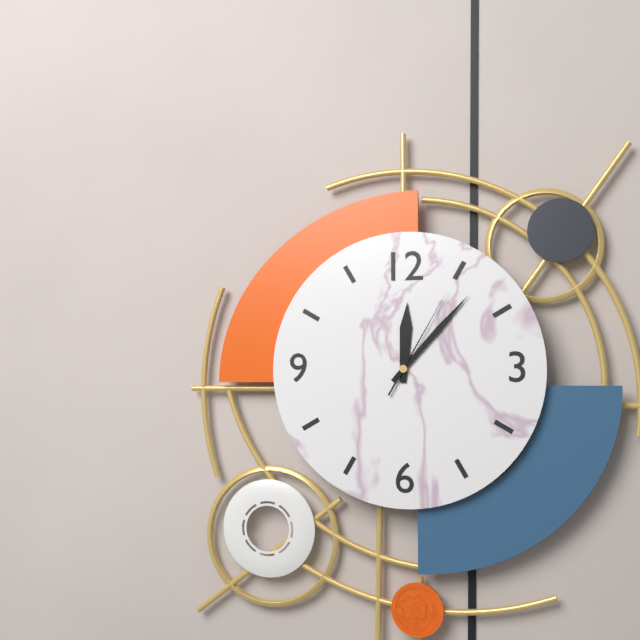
12 h 07 min 05 s
